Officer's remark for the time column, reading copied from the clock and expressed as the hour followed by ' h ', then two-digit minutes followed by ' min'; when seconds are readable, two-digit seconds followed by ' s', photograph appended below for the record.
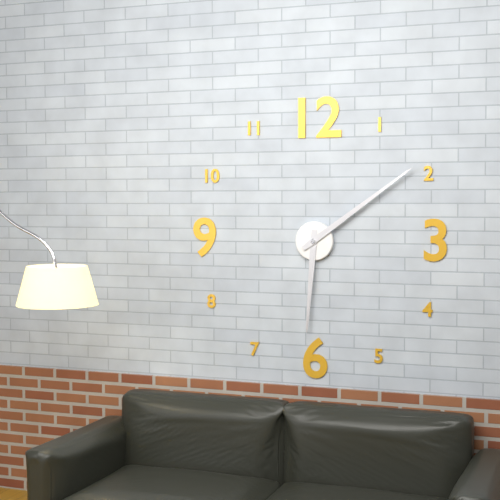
6 h 09 min
